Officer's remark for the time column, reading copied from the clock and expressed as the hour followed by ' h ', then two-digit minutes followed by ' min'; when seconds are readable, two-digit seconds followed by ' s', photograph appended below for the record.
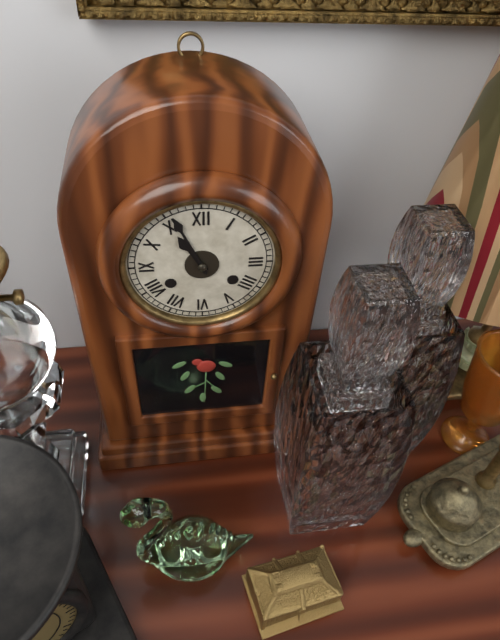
10 h 56 min
